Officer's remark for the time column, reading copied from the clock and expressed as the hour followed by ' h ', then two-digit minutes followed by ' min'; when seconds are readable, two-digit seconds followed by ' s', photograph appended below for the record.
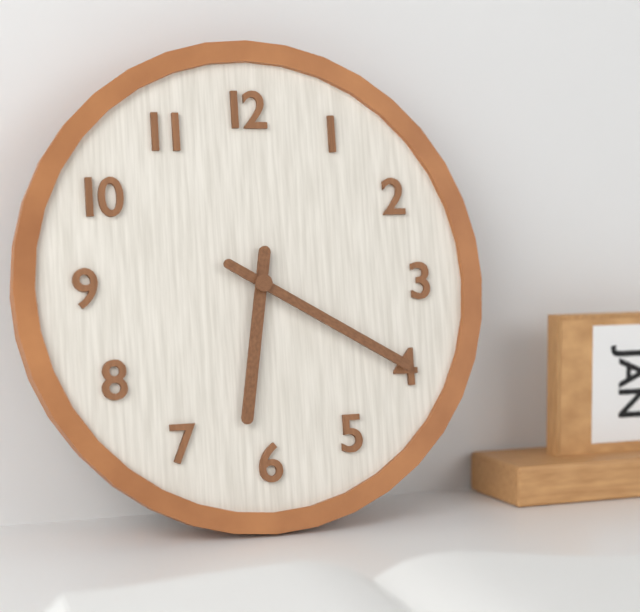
6 h 20 min
